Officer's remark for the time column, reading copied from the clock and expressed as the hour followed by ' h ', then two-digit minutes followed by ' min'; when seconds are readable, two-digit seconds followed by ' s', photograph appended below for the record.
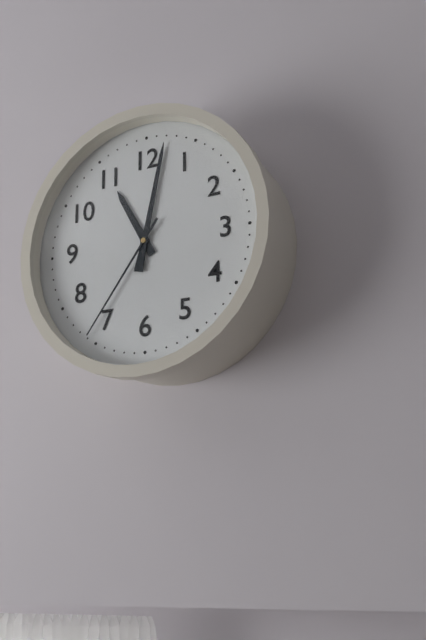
11 h 02 min 36 s
